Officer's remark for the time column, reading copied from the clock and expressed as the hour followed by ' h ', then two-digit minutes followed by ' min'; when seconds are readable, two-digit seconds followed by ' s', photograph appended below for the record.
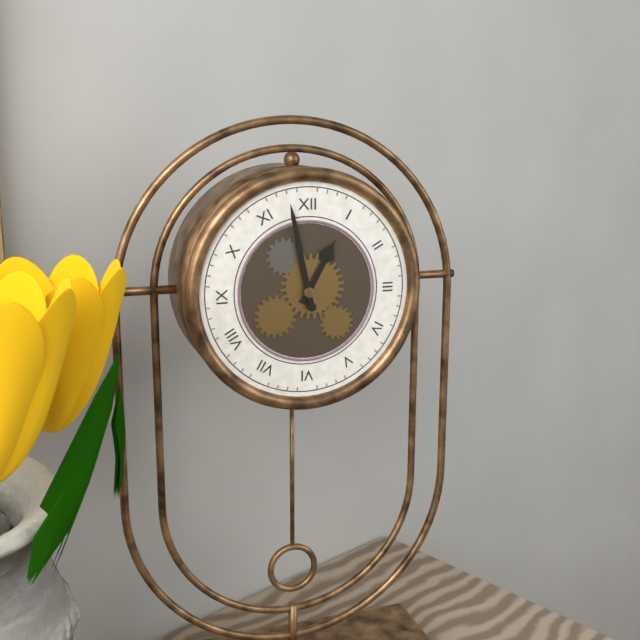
12 h 58 min
